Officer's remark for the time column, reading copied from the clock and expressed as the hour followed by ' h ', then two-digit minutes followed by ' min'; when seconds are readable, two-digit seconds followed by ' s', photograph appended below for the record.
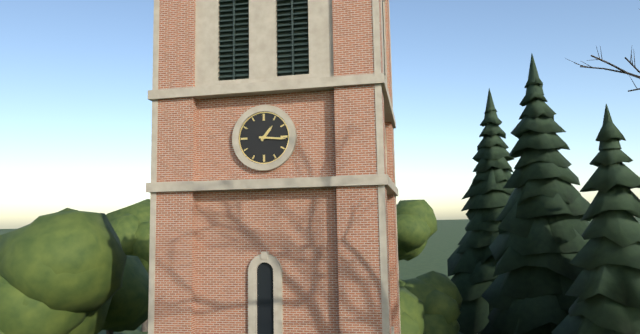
1 h 16 min
